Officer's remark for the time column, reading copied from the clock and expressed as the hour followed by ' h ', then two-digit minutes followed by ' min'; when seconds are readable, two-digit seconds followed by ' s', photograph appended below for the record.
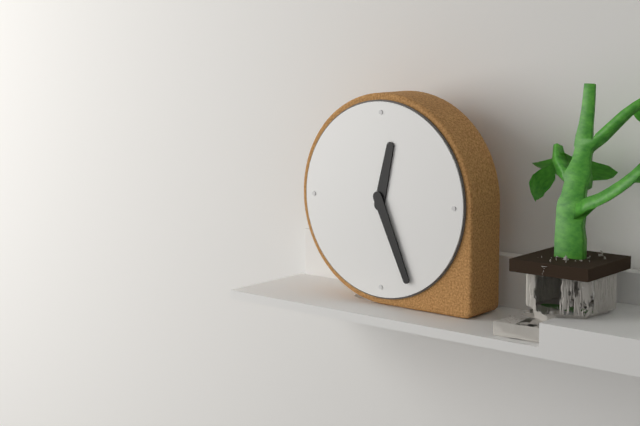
12 h 26 min
